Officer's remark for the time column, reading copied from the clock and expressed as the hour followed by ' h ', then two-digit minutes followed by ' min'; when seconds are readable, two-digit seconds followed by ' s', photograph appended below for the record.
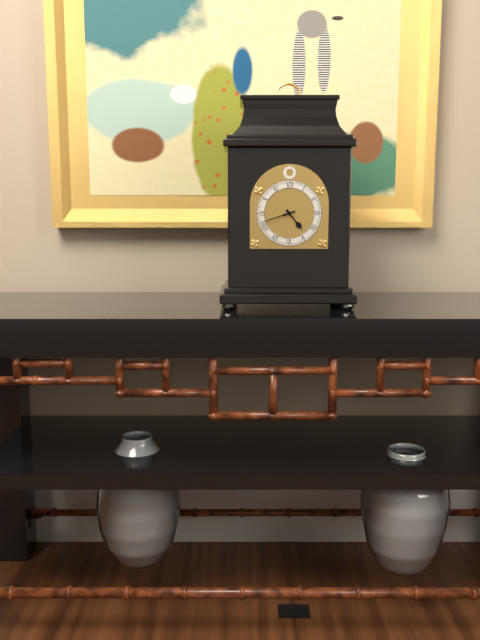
4 h 42 min
